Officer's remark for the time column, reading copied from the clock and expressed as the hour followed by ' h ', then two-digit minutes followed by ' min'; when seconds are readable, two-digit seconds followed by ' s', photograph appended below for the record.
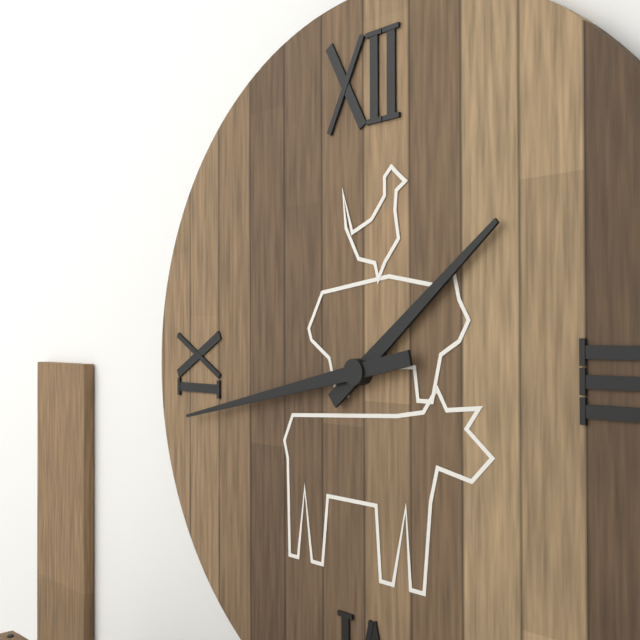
1 h 43 min
